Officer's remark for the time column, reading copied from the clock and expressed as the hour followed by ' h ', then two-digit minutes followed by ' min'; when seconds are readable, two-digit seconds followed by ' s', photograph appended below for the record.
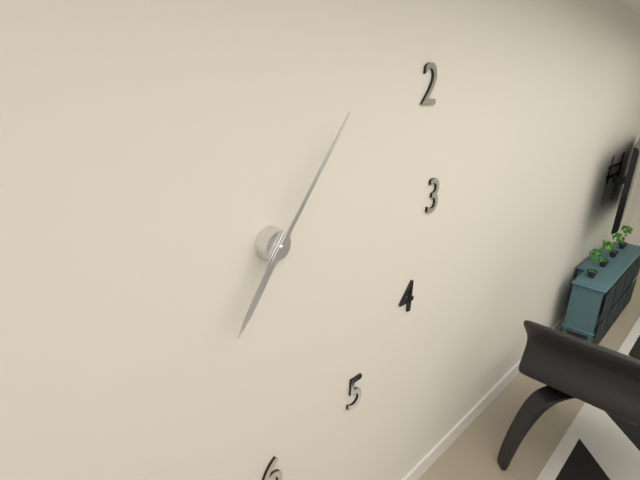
7 h 06 min
